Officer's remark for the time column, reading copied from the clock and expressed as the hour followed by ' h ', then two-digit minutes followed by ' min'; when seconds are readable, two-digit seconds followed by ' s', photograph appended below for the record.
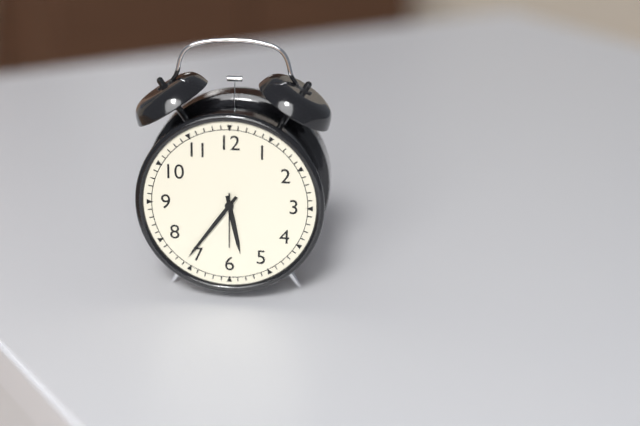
5 h 36 min 30 s
